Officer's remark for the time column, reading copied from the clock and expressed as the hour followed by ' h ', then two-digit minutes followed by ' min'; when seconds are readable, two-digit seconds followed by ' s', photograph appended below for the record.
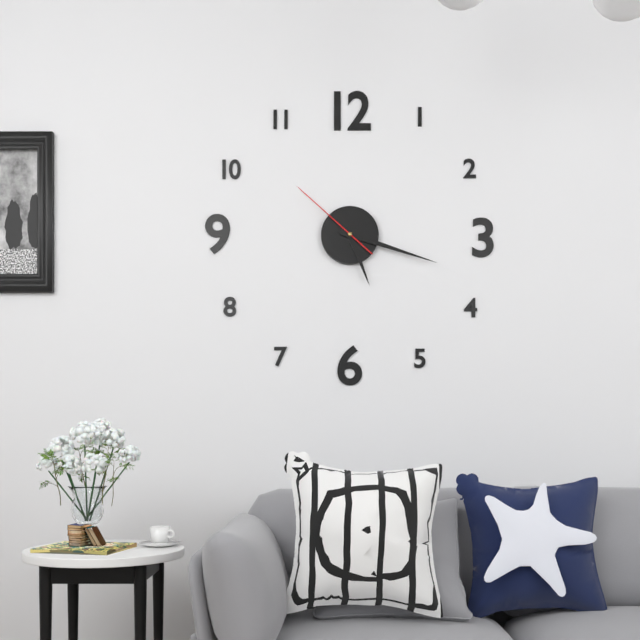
5 h 18 min 52 s
